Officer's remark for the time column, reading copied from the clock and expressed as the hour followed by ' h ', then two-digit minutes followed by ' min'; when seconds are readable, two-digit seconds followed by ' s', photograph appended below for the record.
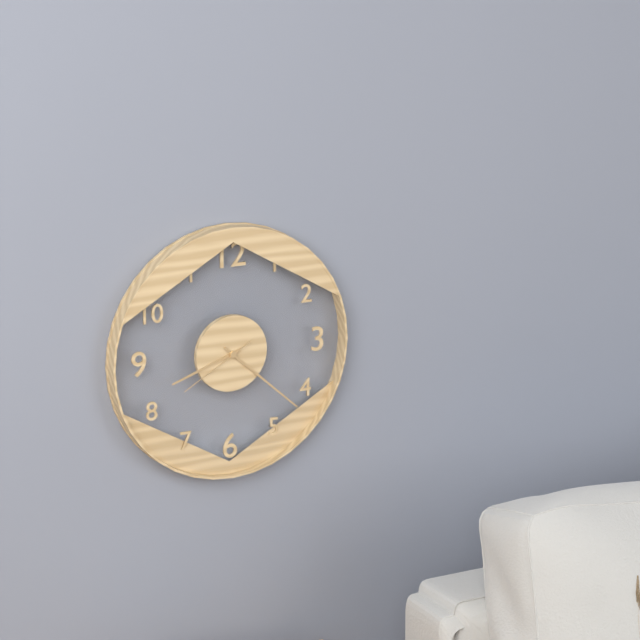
8 h 22 min 40 s
